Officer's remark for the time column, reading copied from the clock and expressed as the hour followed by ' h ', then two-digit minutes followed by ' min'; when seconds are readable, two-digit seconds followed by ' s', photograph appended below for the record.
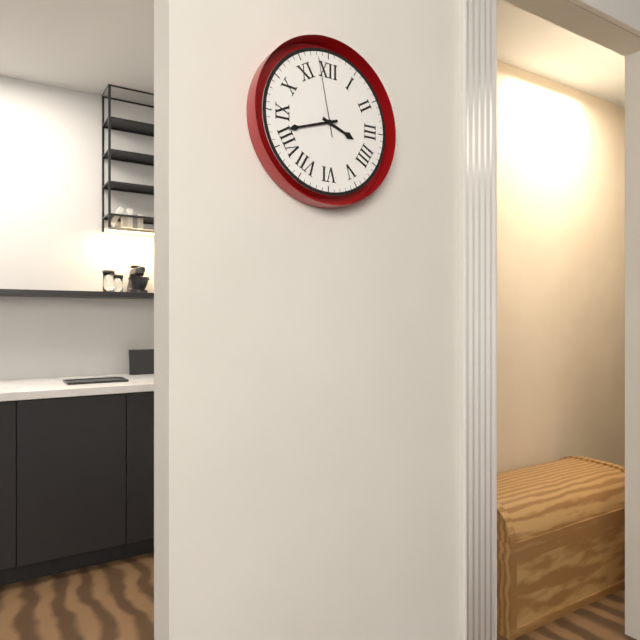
3 h 42 min 58 s
